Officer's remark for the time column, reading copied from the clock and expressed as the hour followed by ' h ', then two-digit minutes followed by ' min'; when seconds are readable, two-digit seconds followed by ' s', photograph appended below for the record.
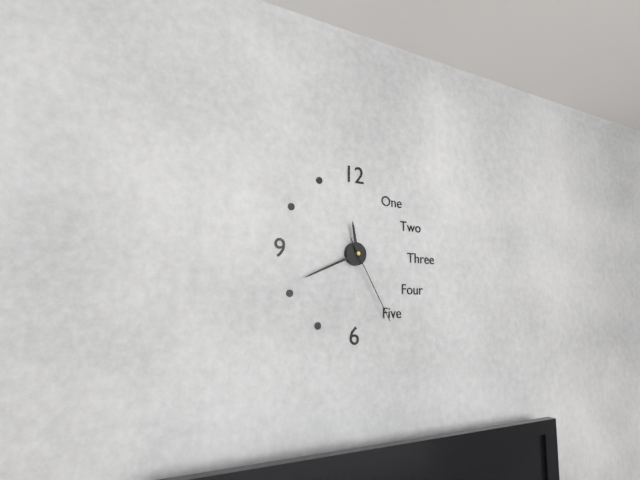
11 h 41 min 25 s
